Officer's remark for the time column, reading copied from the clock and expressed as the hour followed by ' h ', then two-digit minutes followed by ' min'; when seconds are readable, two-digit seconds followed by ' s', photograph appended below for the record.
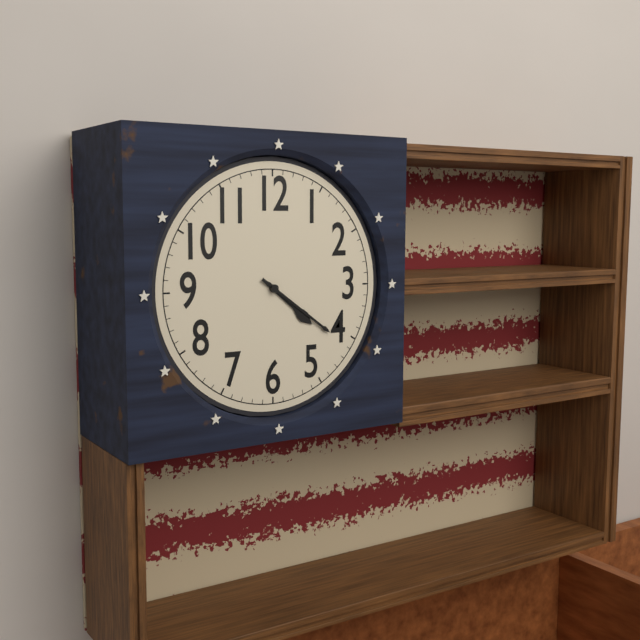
4 h 21 min
